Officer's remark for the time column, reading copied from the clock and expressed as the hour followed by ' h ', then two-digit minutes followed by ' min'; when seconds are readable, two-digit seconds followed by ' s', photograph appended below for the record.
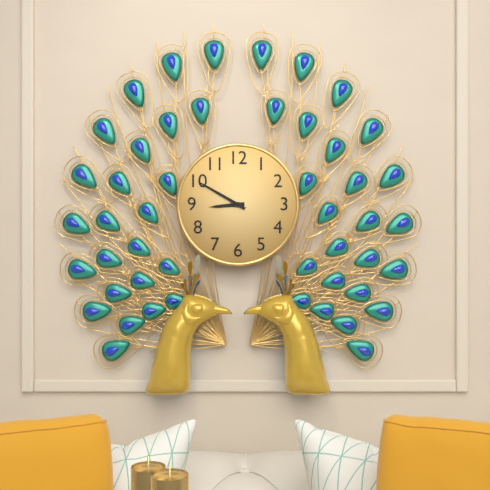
8 h 50 min
